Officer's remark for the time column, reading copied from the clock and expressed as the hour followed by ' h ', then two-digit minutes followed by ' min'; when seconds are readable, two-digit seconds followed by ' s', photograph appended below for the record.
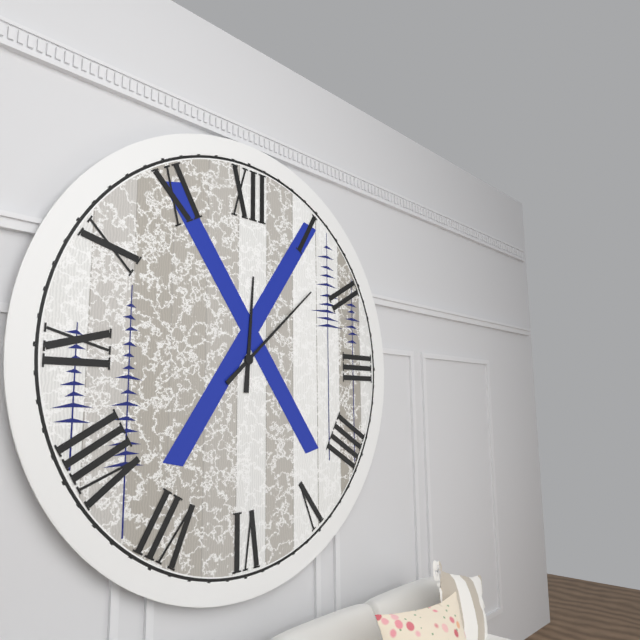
12 h 08 min
